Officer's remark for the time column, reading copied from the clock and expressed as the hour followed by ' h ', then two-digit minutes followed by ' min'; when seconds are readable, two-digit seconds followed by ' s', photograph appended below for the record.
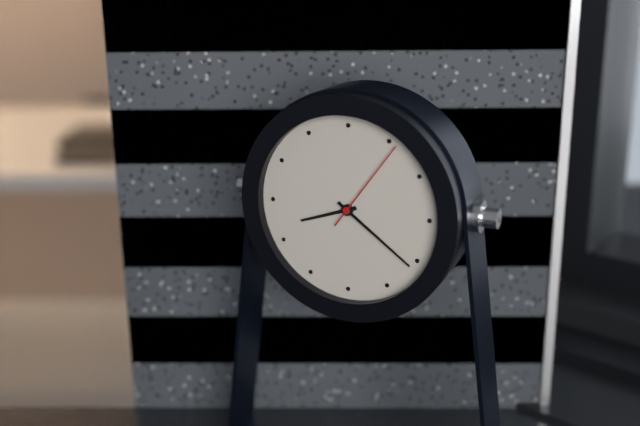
8 h 21 min 06 s
